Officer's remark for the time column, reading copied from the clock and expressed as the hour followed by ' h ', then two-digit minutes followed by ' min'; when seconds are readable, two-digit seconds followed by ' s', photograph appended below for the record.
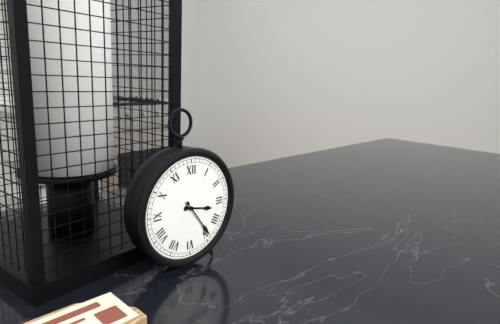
3 h 24 min
